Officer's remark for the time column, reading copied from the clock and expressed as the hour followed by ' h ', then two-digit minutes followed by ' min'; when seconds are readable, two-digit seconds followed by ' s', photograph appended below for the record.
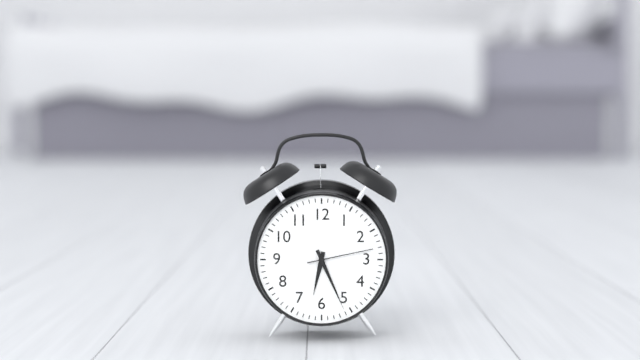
6 h 26 min 13 s
